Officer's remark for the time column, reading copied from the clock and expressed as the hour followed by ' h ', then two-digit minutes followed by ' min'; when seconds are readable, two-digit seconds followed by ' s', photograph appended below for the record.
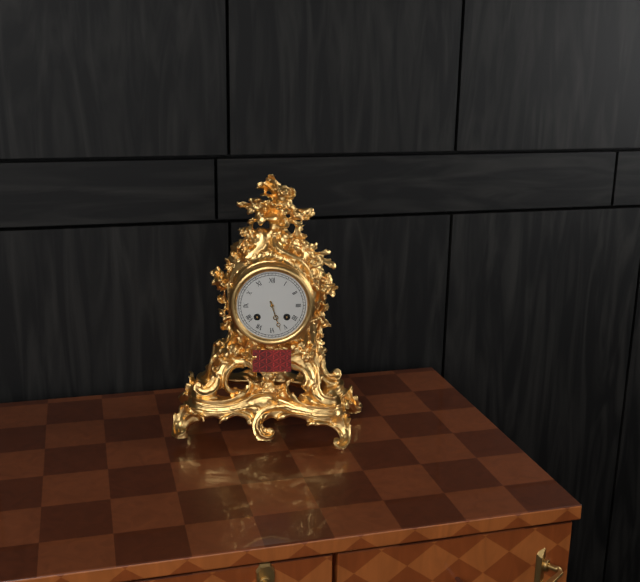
5 h 27 min
